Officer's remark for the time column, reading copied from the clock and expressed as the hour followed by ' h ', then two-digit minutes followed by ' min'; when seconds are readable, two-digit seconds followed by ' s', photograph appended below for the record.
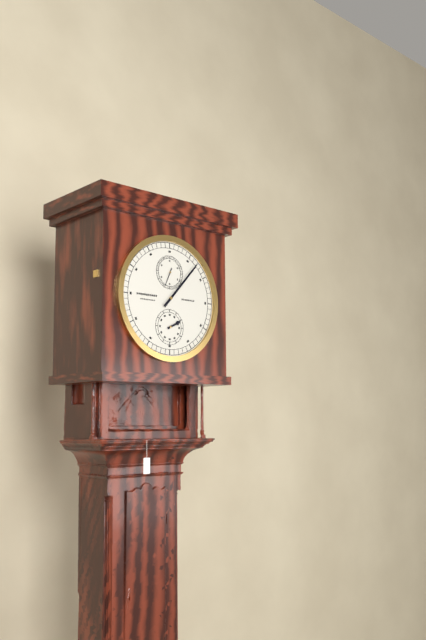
2 h 07 min
